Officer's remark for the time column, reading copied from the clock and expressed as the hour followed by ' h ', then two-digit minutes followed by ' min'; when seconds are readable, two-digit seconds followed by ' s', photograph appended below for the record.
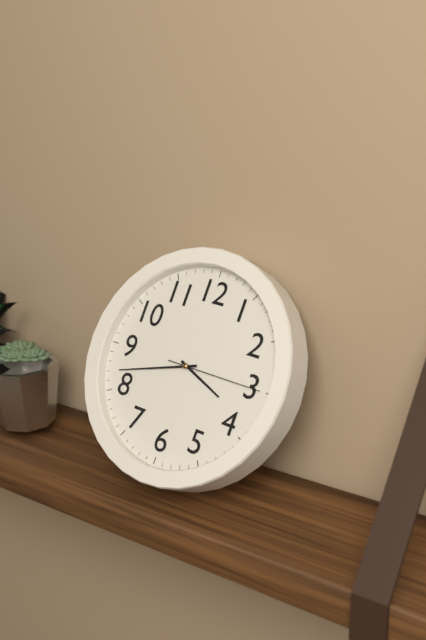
3 h 42 min 15 s
